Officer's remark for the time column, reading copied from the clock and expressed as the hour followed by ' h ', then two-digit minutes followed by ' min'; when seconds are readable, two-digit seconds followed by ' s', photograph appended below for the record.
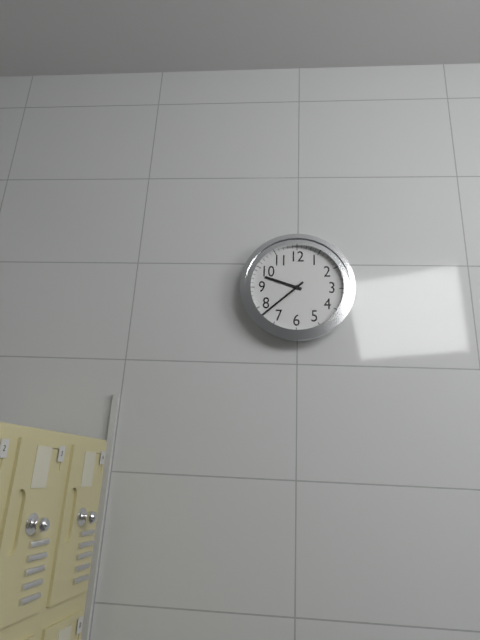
9 h 38 min
